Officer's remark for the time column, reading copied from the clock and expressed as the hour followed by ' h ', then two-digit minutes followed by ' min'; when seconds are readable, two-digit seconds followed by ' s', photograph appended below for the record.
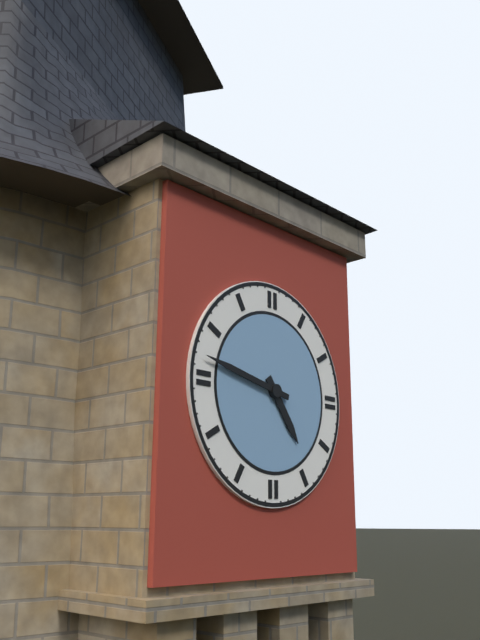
4 h 47 min
